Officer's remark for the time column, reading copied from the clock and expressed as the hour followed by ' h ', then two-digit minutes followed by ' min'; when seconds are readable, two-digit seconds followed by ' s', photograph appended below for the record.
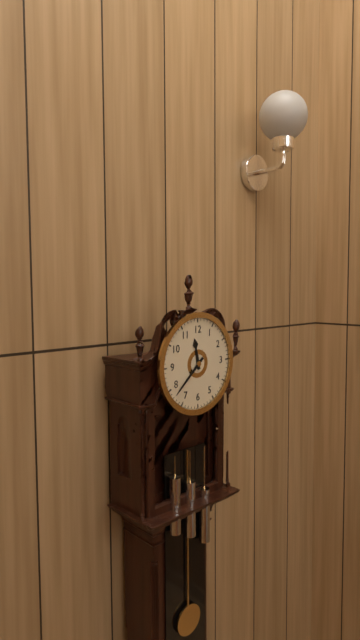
11 h 38 min
